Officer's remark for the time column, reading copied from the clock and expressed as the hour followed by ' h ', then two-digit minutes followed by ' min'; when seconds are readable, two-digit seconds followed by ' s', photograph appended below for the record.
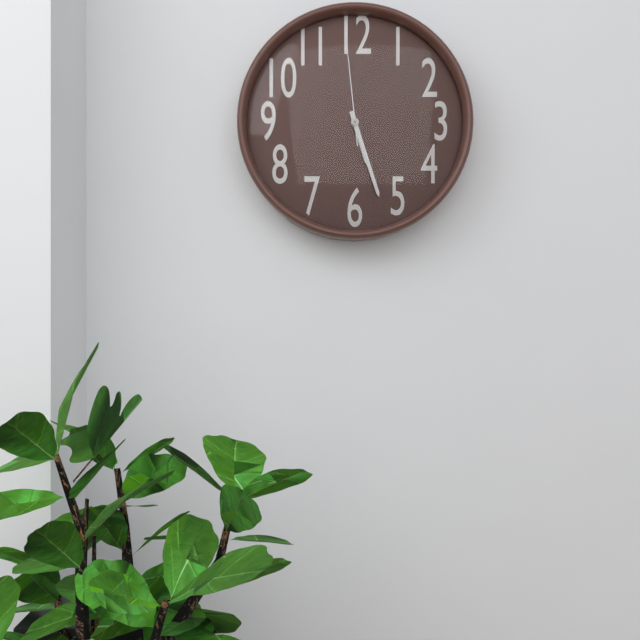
5 h 27 min 59 s
